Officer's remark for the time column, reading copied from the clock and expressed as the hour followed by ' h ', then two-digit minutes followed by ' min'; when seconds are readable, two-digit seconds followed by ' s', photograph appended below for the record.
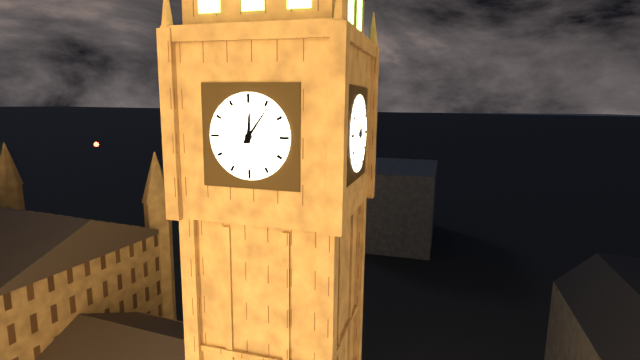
12 h 06 min
